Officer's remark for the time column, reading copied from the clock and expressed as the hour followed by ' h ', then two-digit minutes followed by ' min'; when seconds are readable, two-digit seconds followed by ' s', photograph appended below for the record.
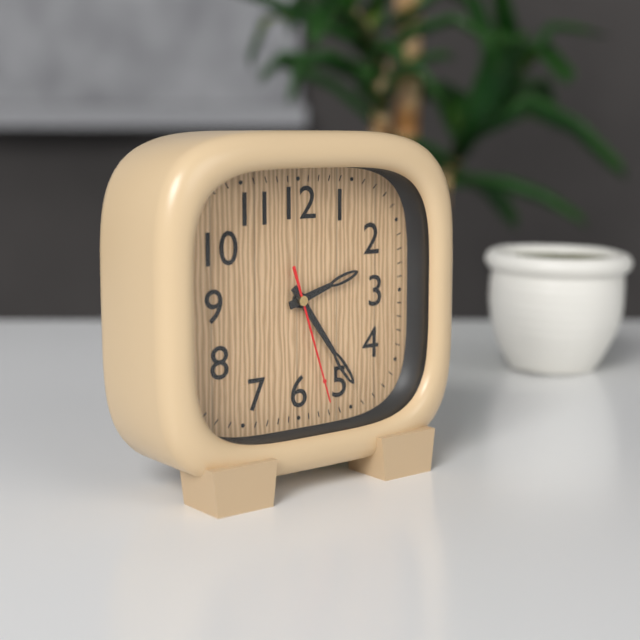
2 h 24 min 27 s
